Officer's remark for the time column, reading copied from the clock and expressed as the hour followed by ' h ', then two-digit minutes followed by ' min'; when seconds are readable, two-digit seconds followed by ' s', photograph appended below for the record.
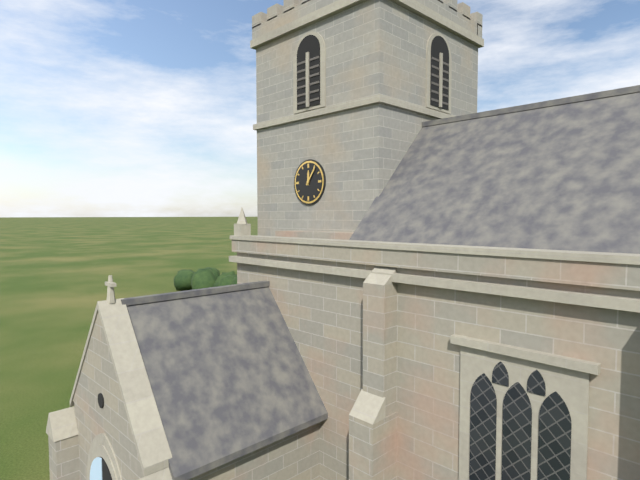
12 h 06 min
